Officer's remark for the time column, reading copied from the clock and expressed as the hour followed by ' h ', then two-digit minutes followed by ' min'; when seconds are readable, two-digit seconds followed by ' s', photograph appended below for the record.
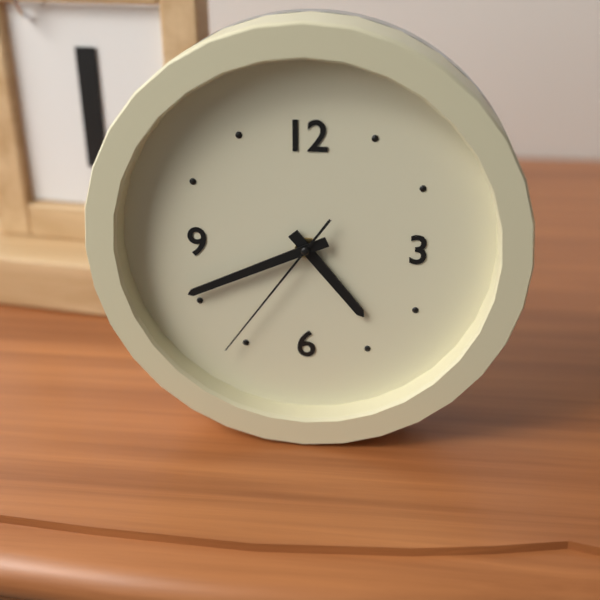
4 h 41 min 36 s
